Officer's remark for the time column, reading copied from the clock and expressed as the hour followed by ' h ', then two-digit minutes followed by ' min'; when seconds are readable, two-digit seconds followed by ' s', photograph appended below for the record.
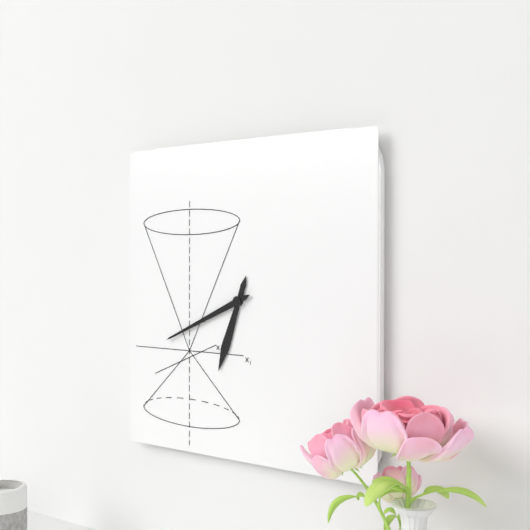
6 h 41 min
